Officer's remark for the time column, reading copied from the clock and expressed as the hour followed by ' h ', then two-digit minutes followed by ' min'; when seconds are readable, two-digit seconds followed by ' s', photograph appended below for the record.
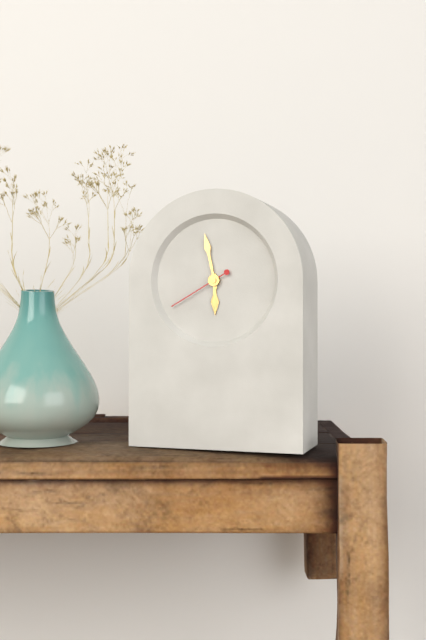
5 h 58 min 40 s
